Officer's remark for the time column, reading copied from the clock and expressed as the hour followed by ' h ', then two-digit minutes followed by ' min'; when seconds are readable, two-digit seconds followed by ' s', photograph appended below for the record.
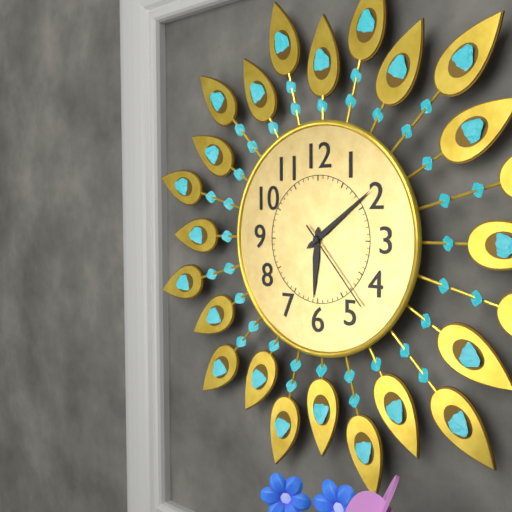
6 h 09 min 23 s
